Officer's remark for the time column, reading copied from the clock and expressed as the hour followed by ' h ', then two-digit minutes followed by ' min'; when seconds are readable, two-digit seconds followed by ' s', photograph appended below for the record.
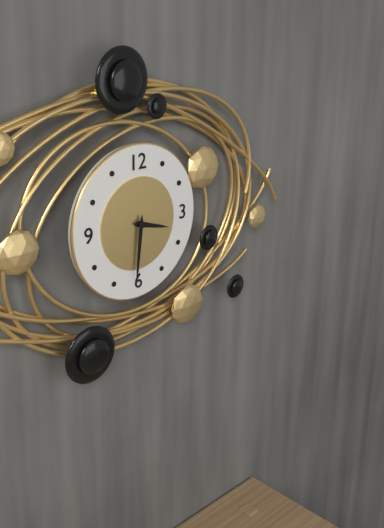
3 h 31 min
